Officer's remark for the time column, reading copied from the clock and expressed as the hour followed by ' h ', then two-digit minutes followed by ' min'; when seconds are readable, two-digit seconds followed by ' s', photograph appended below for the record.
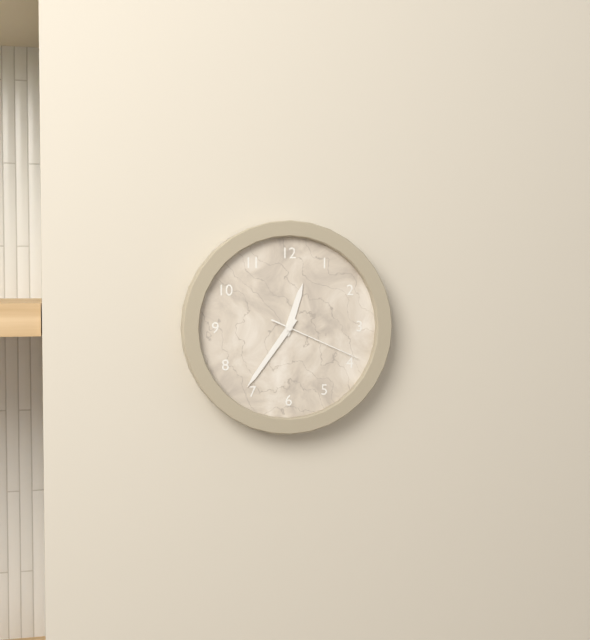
12 h 36 min 19 s
